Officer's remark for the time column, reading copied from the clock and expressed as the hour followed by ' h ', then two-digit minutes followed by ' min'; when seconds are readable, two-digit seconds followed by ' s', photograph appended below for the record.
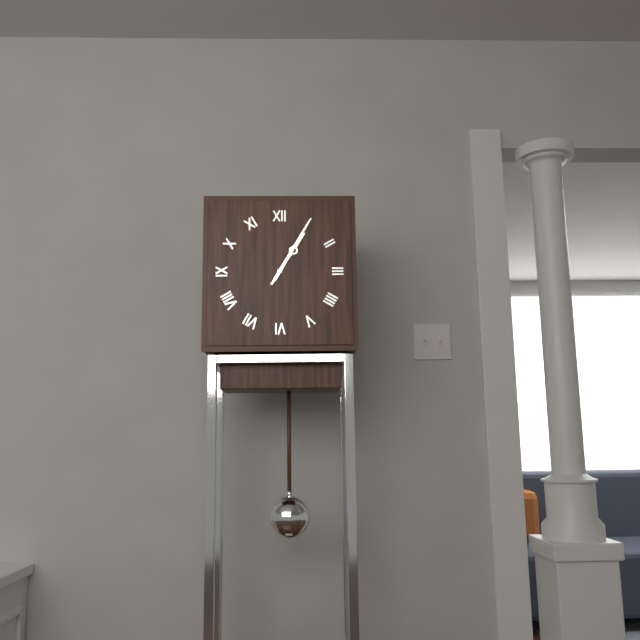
1 h 05 min
